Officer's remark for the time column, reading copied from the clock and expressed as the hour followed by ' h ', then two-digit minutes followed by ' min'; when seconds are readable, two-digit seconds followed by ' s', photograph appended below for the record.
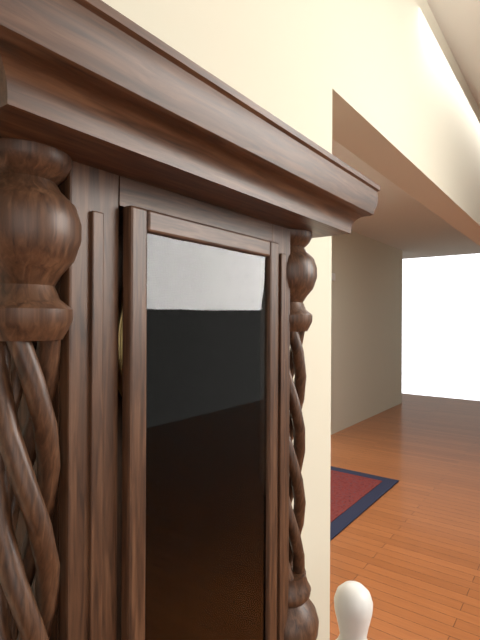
7 h 43 min
